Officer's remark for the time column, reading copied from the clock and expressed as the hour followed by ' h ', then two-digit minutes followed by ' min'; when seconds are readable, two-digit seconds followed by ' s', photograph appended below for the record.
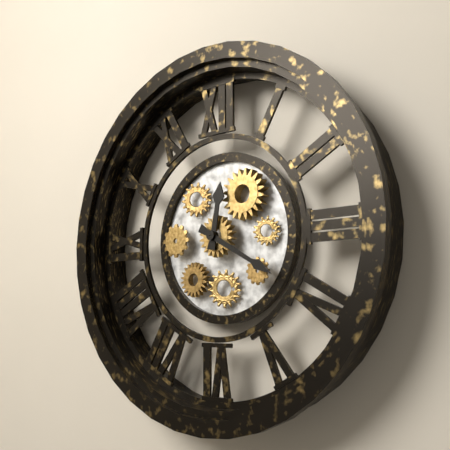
12 h 20 min
